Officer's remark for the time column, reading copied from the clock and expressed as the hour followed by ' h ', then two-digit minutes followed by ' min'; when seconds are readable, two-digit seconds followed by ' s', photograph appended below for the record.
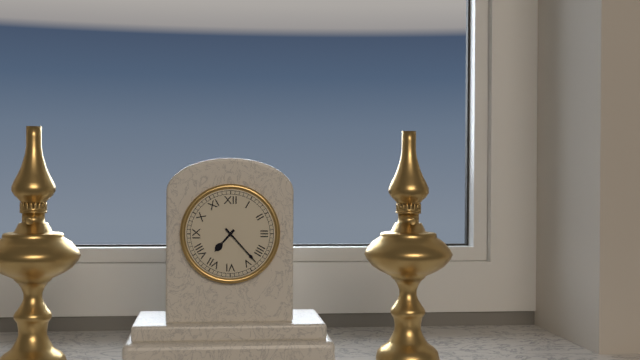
7 h 23 min
